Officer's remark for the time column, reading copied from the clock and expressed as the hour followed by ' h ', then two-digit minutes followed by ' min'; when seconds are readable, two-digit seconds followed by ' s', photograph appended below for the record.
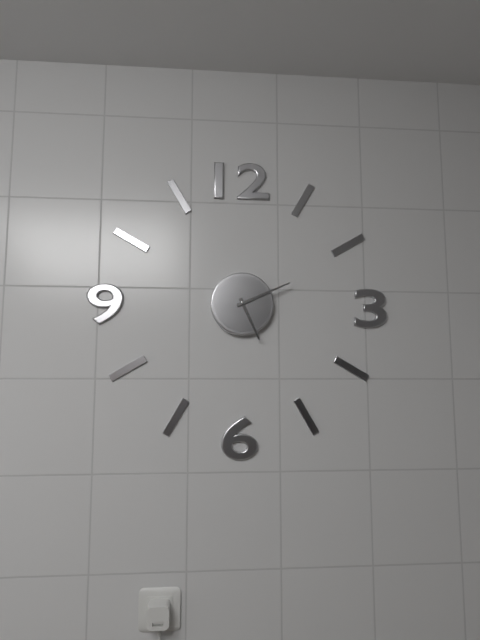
5 h 11 min
